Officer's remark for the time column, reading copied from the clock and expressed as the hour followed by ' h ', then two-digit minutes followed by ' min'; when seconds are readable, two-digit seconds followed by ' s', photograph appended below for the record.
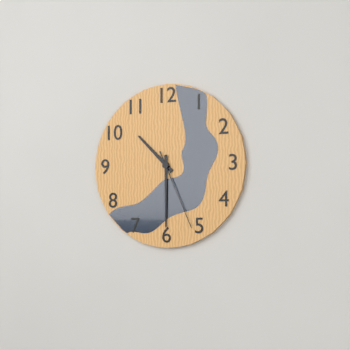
10 h 30 min 26 s
